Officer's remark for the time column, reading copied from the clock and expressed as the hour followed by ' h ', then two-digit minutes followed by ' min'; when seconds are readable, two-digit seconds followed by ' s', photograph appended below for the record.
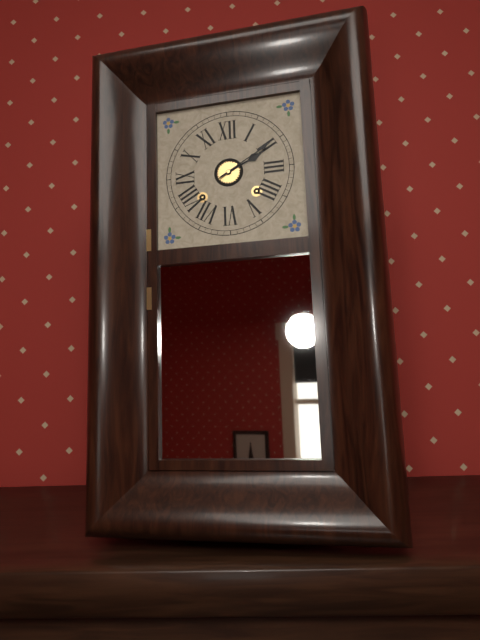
2 h 10 min
